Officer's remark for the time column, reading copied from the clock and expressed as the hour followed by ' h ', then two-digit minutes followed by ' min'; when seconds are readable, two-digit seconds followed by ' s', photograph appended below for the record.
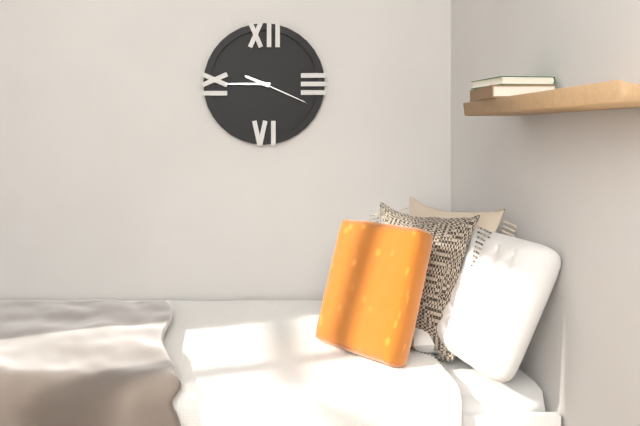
9 h 45 min 19 s
